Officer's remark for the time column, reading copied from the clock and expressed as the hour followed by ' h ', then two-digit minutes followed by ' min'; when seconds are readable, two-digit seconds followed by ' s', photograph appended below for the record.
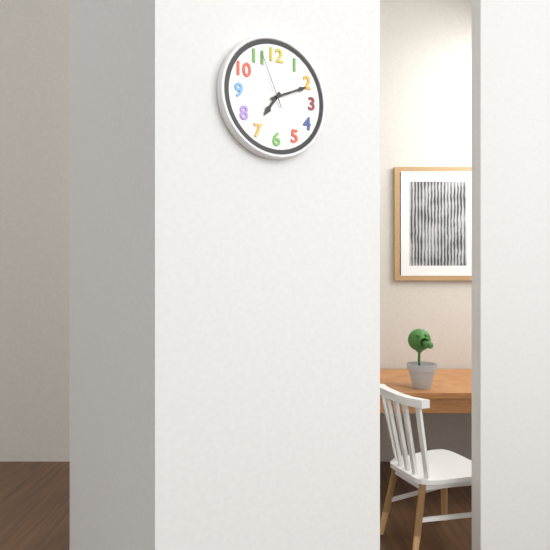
7 h 11 min 56 s
